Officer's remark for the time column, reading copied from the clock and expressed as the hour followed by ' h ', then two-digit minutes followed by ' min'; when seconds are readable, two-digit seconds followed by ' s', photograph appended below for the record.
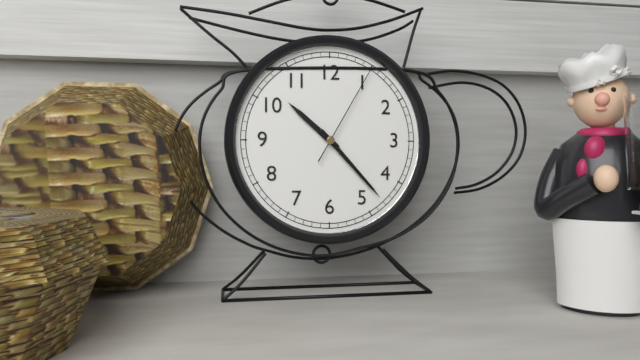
10 h 23 min 05 s
